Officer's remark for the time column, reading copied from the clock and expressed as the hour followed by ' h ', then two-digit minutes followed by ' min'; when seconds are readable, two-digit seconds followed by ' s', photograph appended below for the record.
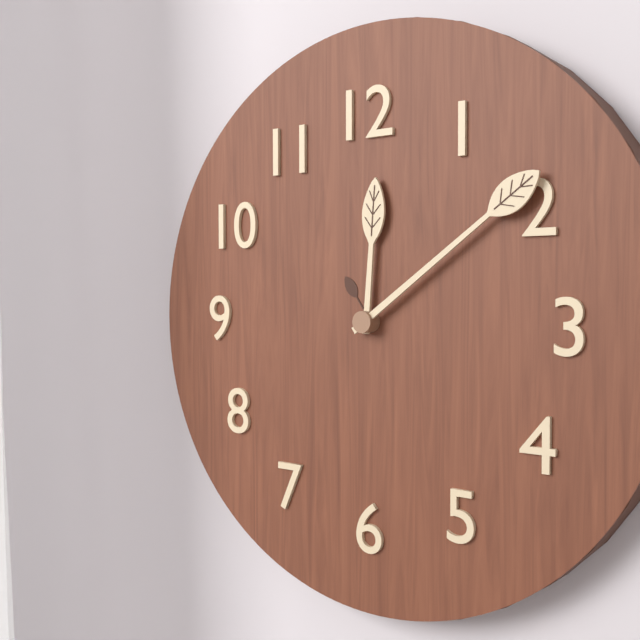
12 h 09 min
